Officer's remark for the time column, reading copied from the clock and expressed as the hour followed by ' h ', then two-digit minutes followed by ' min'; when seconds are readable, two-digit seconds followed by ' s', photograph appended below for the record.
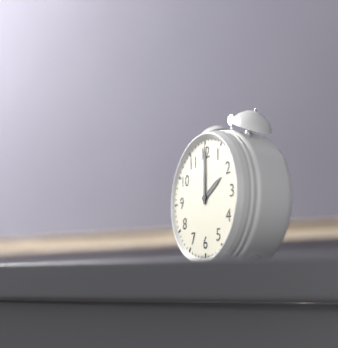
2 h 00 min
